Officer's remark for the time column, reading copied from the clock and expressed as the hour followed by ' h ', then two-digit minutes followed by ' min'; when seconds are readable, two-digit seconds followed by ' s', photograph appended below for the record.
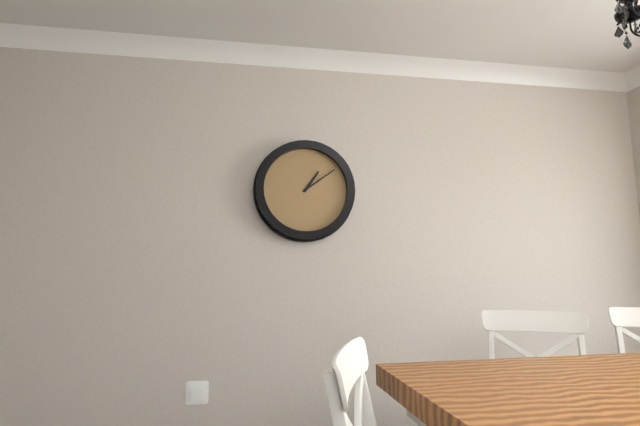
1 h 09 min
